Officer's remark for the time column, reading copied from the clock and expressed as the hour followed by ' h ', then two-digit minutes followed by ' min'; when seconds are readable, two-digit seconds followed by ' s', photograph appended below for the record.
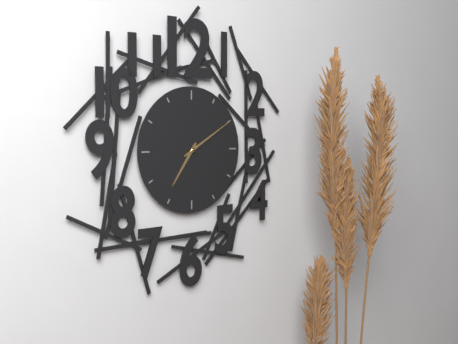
7 h 10 min
